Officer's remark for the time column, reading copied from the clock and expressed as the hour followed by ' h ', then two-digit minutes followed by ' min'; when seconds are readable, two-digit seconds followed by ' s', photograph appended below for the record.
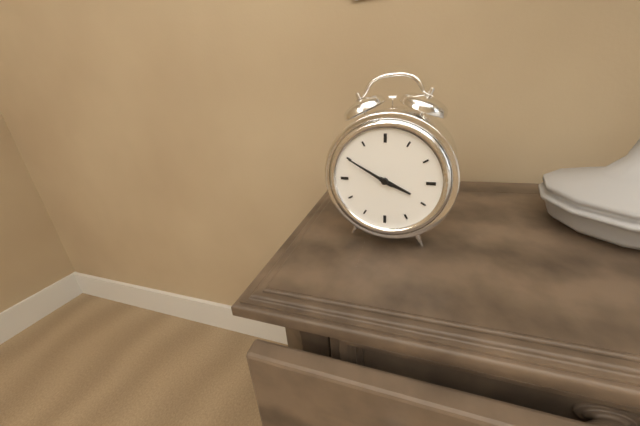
3 h 50 min
